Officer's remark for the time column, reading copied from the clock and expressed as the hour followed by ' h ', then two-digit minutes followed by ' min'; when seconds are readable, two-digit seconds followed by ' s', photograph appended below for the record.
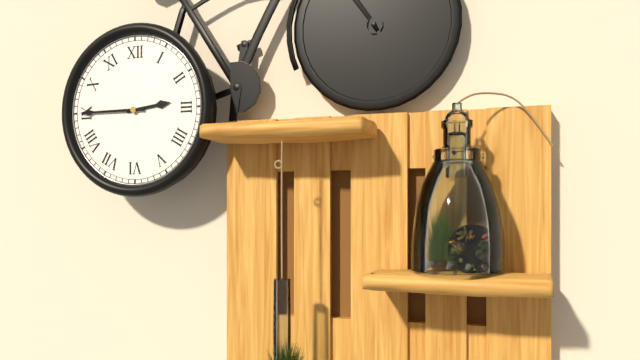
2 h 45 min
